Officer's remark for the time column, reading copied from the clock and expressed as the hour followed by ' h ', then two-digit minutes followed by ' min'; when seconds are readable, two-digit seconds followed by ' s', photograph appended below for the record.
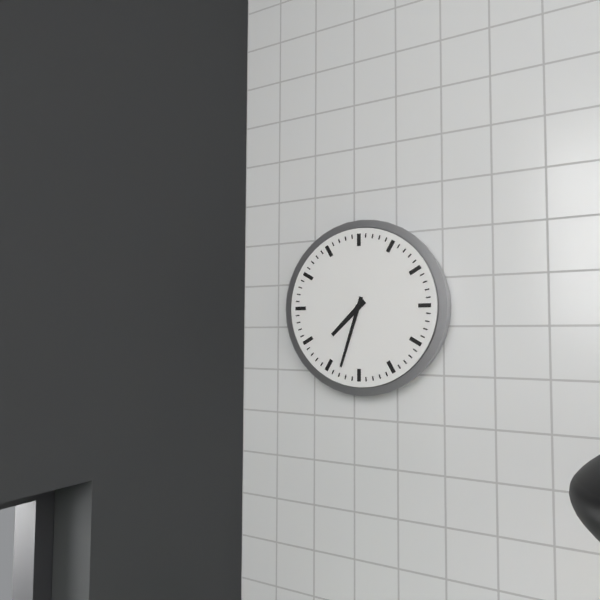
7 h 33 min
